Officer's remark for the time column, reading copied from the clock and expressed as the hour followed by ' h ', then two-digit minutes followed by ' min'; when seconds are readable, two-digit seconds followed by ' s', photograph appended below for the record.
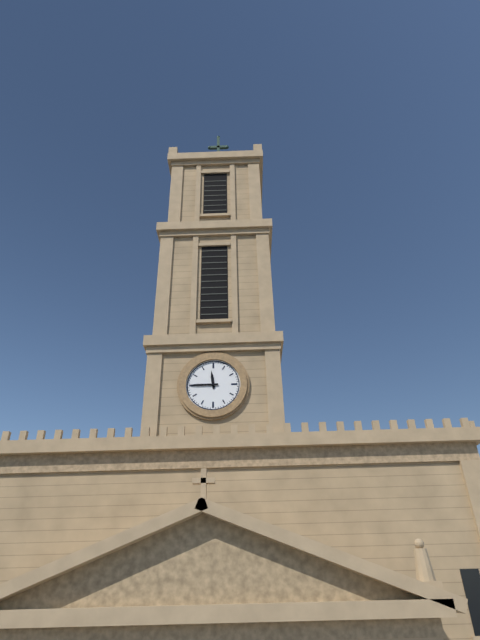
11 h 45 min
